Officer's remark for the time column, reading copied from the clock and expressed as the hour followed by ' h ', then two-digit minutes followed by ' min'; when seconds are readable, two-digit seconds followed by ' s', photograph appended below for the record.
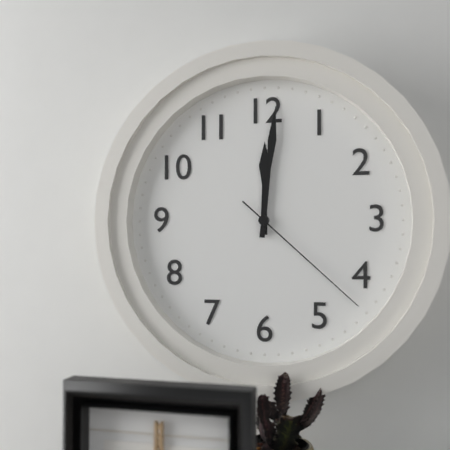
12 h 01 min 22 s
